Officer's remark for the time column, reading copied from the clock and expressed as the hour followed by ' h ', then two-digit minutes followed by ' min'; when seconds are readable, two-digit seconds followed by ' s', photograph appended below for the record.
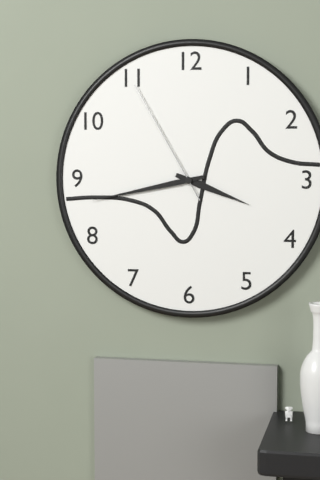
3 h 43 min 55 s
